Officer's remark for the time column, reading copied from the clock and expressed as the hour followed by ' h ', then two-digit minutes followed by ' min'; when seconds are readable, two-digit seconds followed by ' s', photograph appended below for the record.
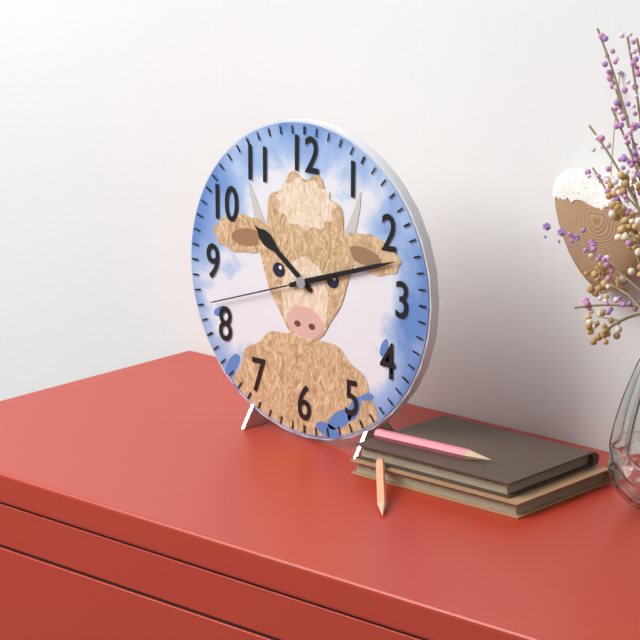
10 h 12 min 42 s
